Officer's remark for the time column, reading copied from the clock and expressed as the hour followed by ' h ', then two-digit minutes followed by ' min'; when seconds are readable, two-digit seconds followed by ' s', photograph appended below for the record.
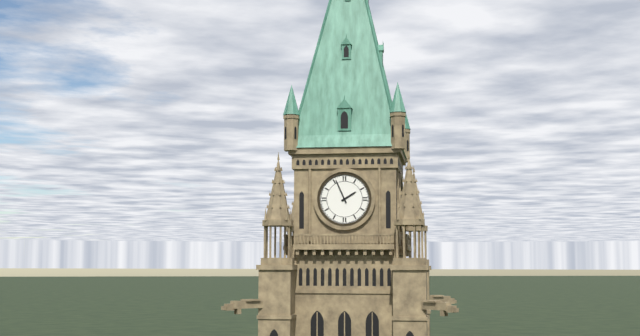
1 h 56 min
